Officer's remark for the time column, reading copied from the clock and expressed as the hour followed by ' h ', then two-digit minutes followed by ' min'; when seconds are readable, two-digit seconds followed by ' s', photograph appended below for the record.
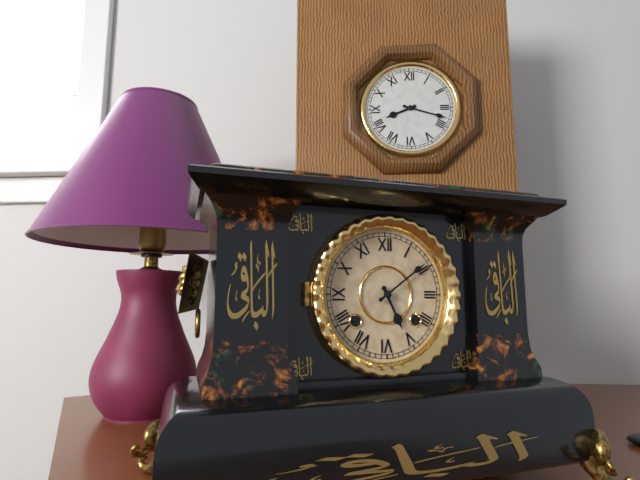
5 h 09 min
